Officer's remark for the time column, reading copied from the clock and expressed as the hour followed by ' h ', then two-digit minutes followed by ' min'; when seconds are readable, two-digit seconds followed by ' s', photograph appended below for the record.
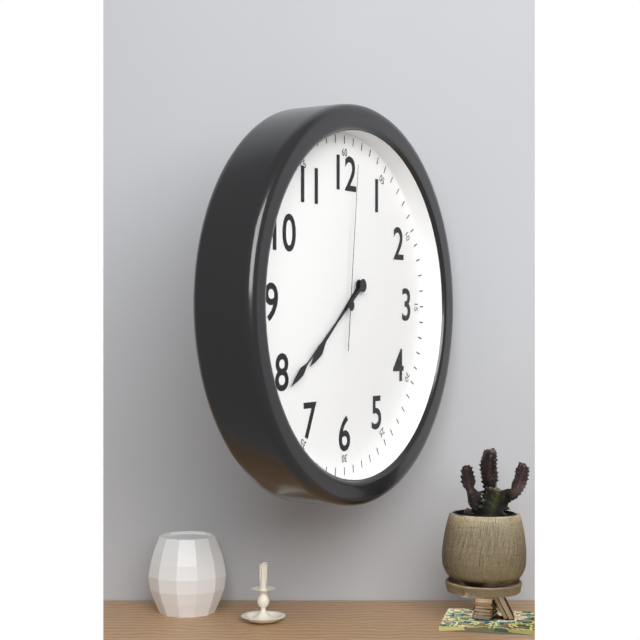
7 h 39 min 01 s
